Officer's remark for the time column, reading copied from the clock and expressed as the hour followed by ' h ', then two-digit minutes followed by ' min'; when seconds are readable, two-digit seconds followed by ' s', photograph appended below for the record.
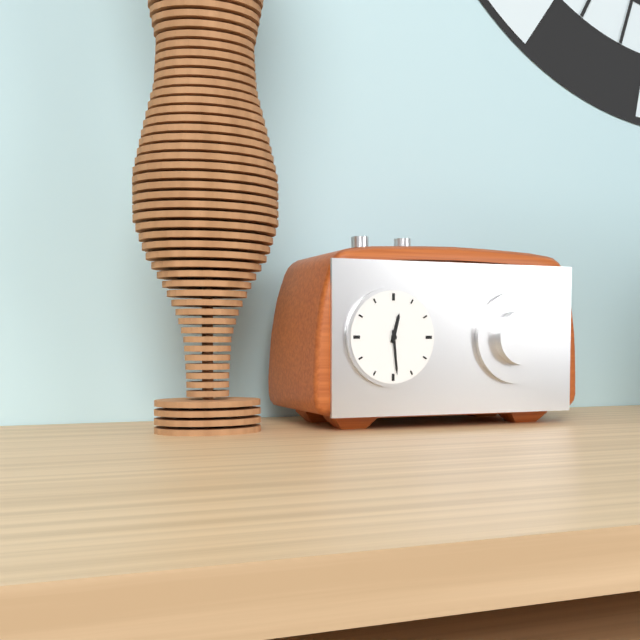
12 h 29 min
